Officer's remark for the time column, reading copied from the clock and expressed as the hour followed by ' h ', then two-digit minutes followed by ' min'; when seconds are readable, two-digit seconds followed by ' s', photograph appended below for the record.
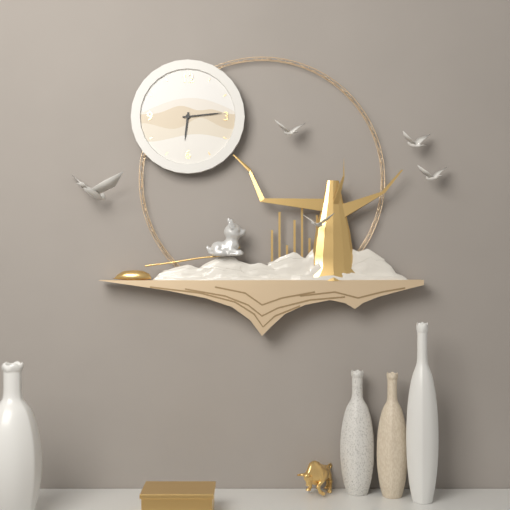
6 h 14 min
